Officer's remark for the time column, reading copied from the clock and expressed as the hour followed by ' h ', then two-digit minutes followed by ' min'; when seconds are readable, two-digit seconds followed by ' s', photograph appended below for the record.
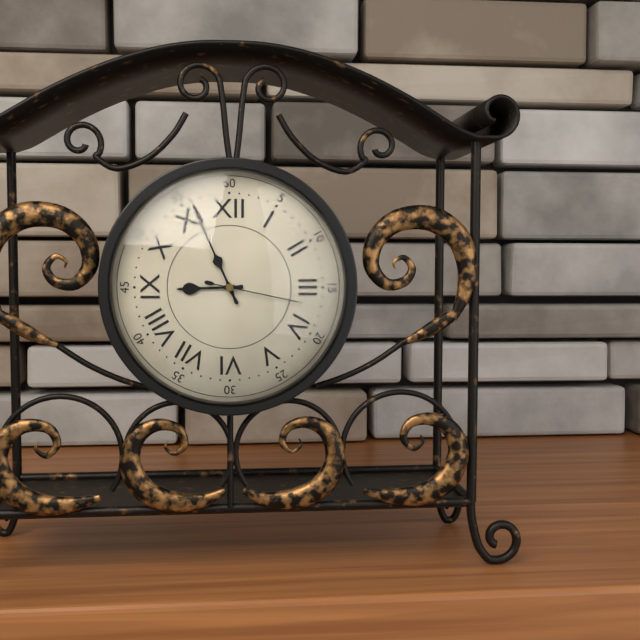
8 h 56 min 17 s
